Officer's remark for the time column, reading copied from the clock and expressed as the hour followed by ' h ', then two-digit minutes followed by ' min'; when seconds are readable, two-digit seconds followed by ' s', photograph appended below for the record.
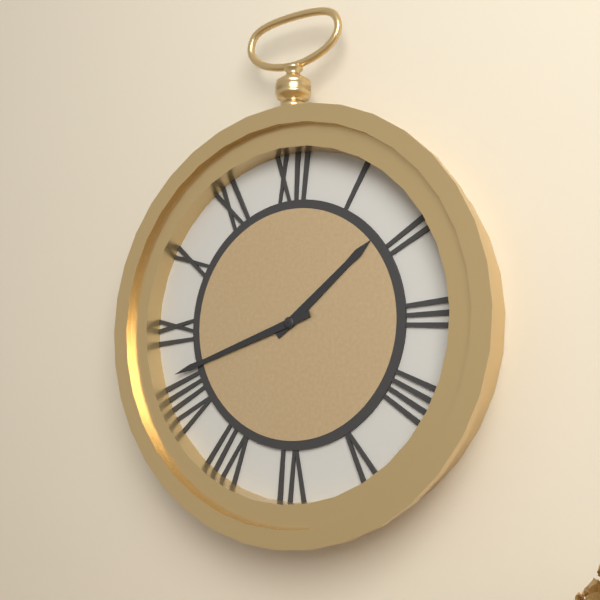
1 h 42 min
